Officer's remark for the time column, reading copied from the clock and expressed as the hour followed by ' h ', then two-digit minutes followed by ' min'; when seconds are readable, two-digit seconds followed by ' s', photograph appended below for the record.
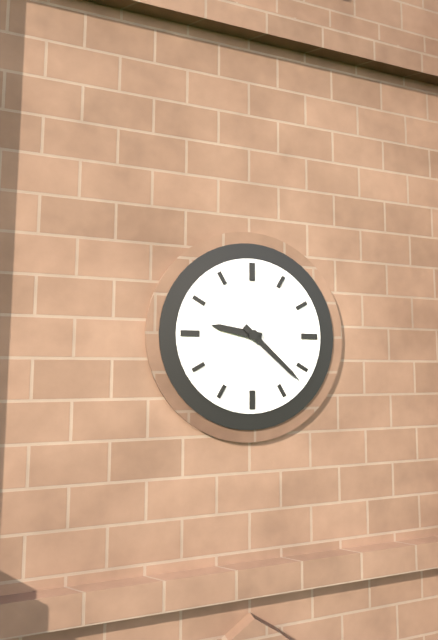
9 h 22 min
